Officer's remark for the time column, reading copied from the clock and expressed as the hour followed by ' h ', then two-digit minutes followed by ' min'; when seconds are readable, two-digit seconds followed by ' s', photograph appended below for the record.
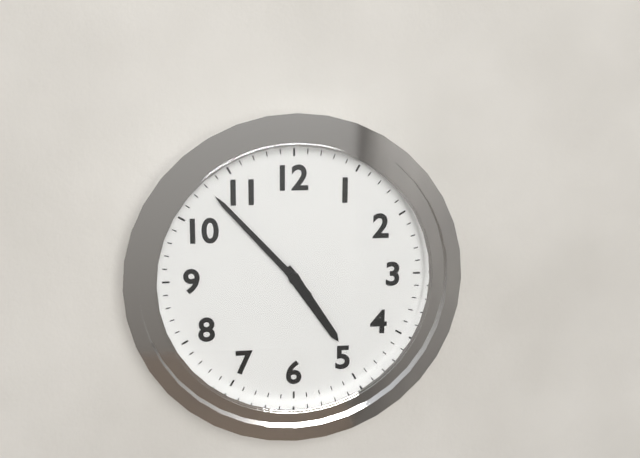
4 h 53 min
